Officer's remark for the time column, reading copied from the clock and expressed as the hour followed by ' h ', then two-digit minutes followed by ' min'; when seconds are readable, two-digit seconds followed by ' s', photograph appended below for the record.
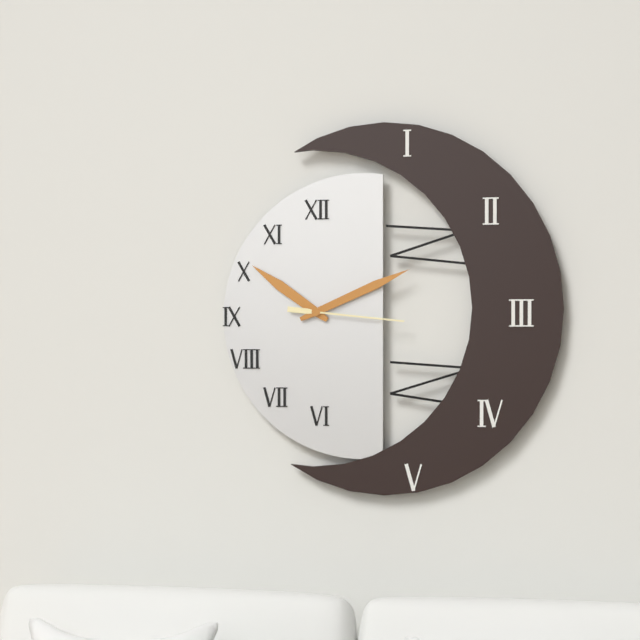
10 h 11 min 16 s
